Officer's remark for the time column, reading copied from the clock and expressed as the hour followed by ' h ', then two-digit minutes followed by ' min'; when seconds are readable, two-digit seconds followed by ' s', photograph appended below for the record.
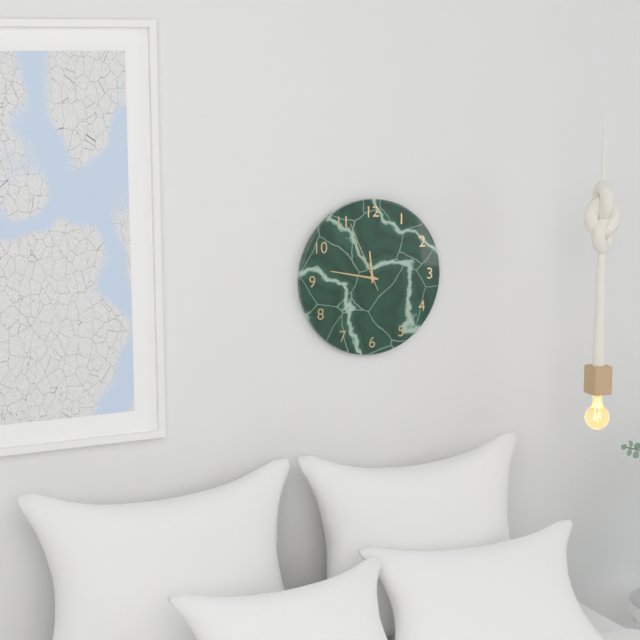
11 h 47 min 56 s
